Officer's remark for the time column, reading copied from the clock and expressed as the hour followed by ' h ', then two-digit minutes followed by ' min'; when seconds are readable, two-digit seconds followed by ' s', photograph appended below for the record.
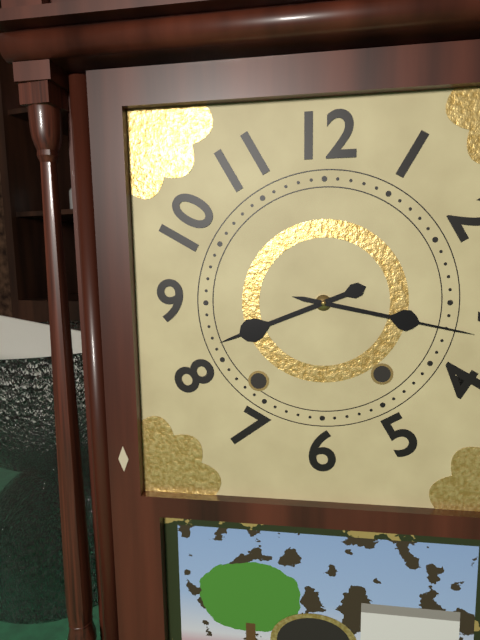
8 h 17 min
